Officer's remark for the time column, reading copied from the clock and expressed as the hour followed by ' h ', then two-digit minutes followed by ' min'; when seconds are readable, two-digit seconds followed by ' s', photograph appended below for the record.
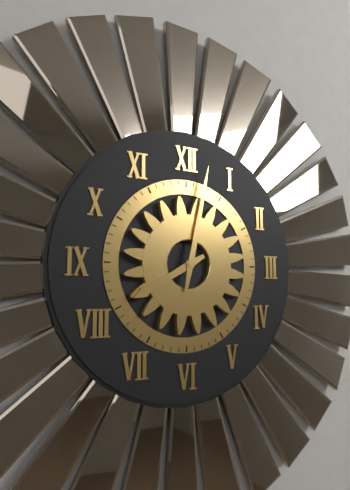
8 h 02 min
